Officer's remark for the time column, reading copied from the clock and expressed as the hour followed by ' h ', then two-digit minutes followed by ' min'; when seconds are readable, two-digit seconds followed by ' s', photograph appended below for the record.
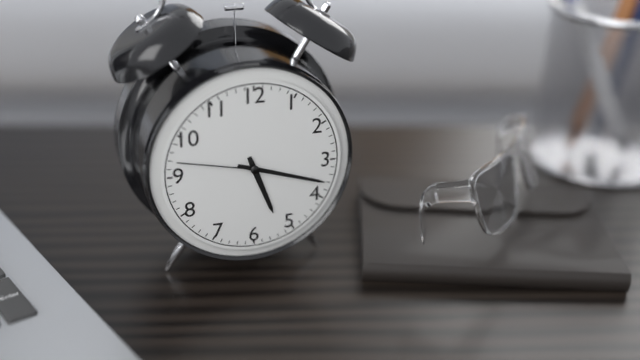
5 h 18 min 47 s
